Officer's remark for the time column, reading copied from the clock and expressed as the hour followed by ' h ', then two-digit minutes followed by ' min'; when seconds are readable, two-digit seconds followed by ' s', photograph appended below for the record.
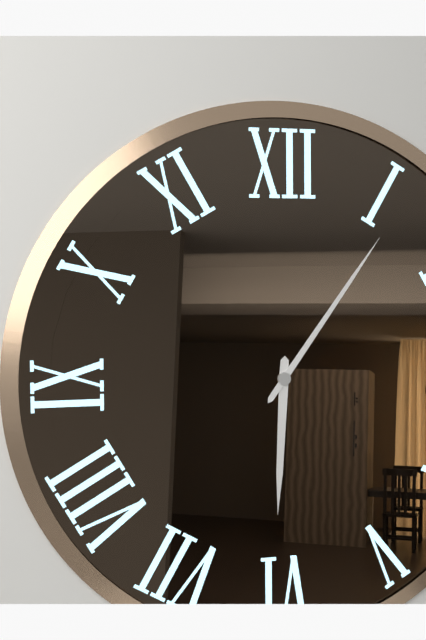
6 h 06 min
